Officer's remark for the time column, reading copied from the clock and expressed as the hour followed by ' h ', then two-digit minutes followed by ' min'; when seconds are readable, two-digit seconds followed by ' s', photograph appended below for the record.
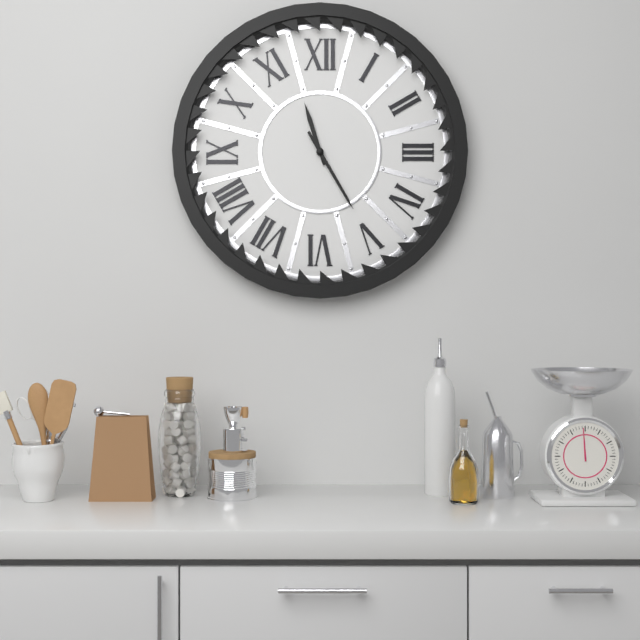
11 h 25 min
